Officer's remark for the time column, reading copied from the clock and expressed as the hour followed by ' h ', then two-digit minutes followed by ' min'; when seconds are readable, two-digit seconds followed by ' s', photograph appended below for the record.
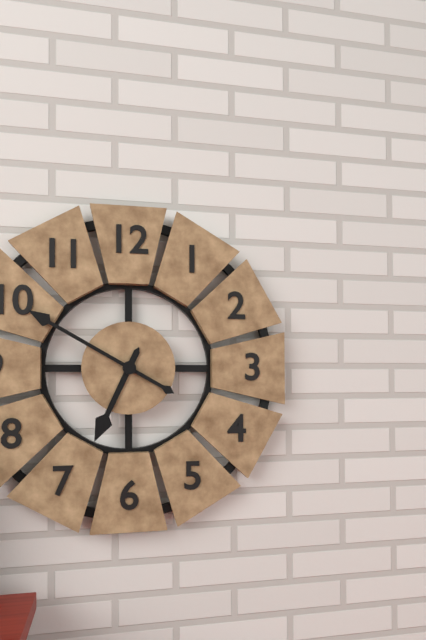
6 h 50 min
